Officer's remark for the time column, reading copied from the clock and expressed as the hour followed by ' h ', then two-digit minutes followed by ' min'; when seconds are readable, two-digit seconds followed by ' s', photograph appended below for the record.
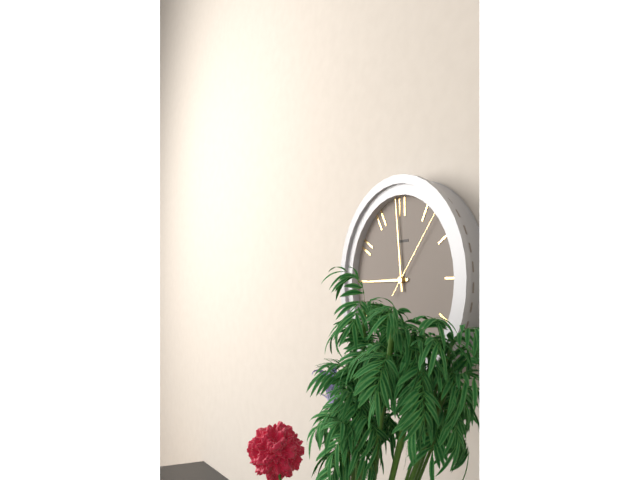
8 h 59 min 07 s
